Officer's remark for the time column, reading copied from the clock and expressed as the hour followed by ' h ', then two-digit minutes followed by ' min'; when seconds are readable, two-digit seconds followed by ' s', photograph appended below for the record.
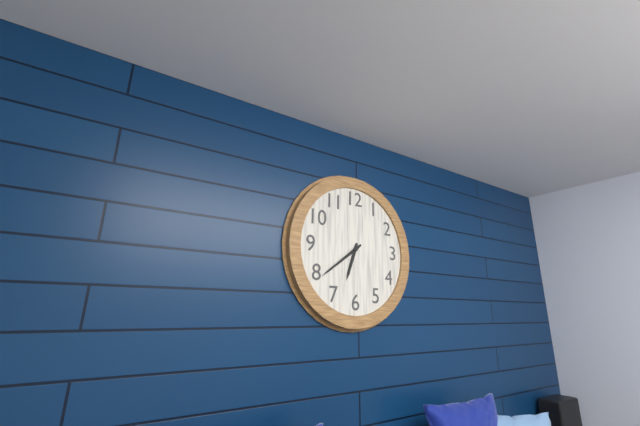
6 h 39 min
